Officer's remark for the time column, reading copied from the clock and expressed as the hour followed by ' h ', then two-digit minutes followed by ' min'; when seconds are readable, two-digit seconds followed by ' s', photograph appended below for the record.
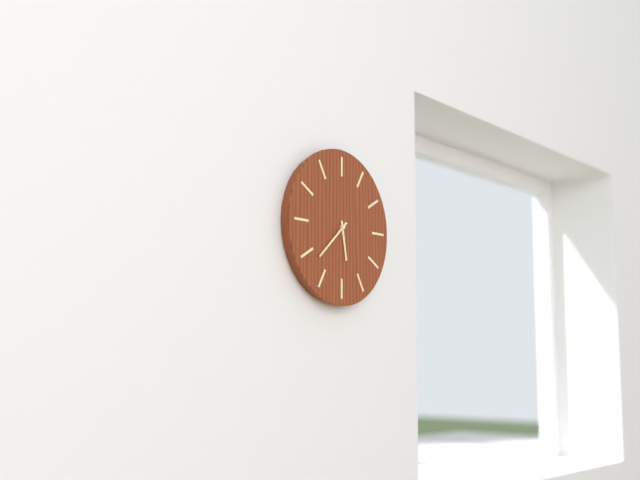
5 h 38 min
